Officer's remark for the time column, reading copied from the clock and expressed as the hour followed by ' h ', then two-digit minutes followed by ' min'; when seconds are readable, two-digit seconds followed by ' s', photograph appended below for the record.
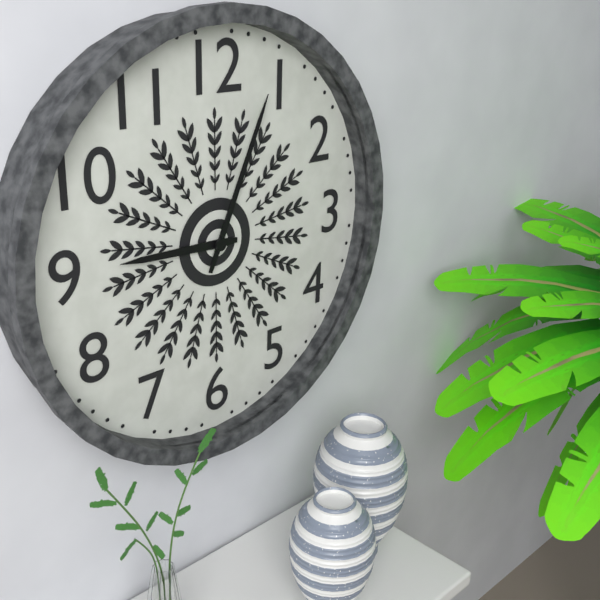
9 h 04 min
